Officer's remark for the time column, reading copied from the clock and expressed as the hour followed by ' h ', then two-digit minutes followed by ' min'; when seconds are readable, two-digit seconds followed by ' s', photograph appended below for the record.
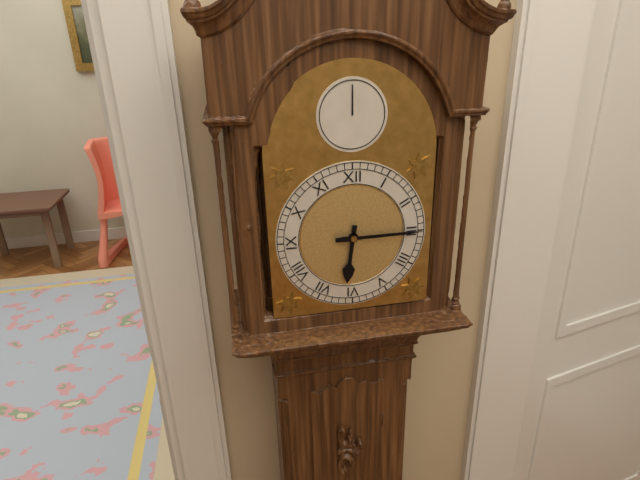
6 h 15 min
